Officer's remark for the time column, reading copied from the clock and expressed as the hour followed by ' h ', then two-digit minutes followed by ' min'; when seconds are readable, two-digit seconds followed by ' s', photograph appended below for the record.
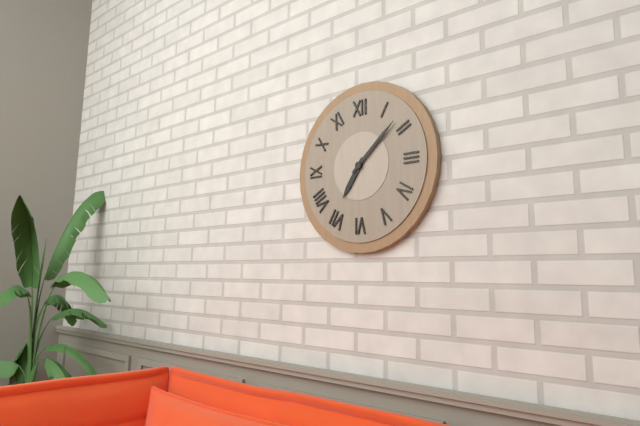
7 h 08 min
